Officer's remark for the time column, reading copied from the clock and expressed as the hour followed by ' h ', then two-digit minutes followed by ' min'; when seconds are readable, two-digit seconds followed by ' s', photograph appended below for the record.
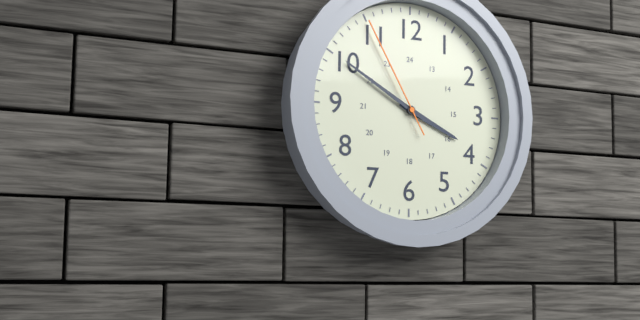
3 h 50 min 55 s
